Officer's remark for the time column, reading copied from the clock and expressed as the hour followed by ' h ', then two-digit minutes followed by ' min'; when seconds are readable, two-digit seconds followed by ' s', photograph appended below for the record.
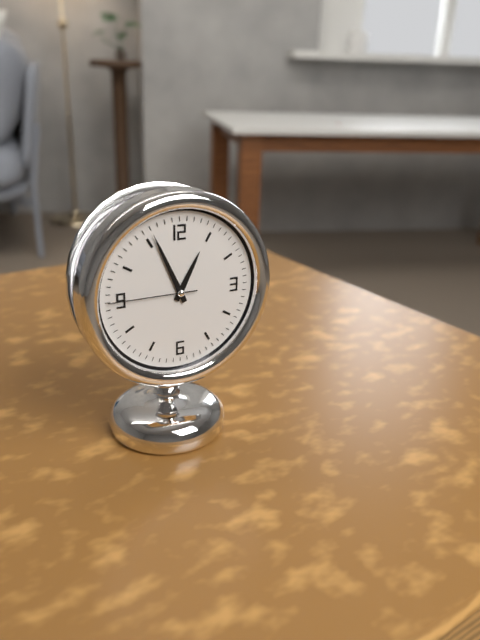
12 h 56 min 45 s
